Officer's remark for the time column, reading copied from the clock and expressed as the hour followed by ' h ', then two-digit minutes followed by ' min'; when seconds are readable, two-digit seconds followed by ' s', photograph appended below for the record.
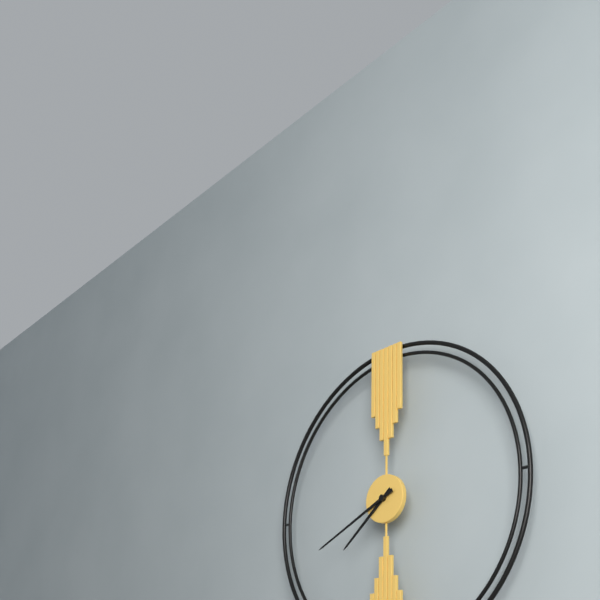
7 h 41 min
